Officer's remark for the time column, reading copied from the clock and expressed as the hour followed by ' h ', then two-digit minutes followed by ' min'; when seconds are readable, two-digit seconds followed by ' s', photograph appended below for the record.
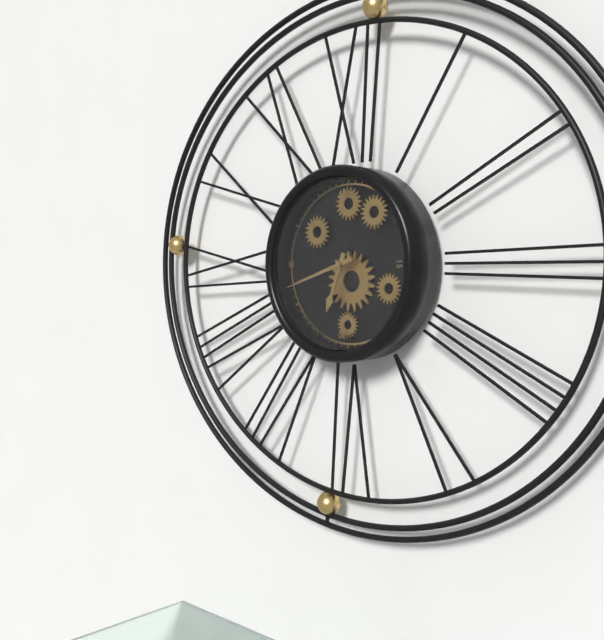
6 h 42 min
